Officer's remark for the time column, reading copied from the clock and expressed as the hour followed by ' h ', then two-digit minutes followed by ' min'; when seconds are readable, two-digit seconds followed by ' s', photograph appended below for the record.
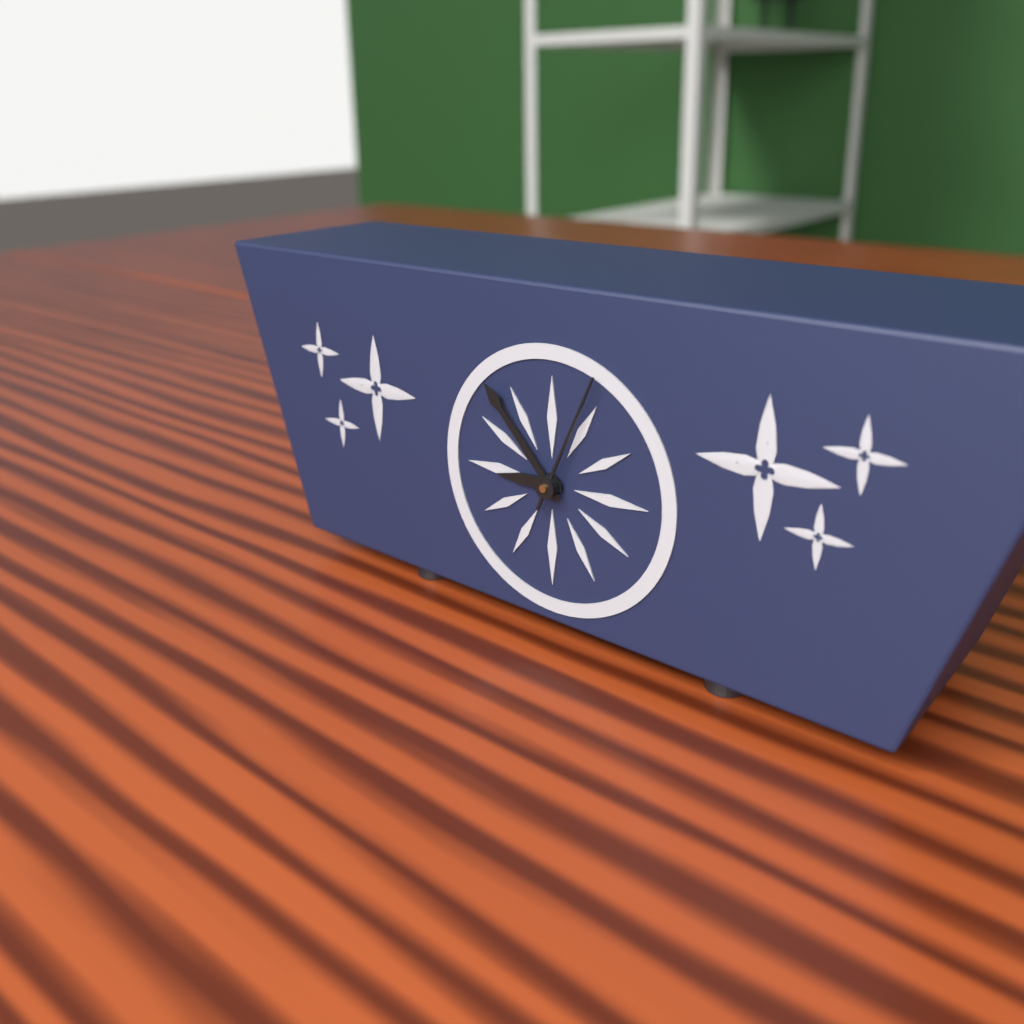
8 h 53 min 04 s
